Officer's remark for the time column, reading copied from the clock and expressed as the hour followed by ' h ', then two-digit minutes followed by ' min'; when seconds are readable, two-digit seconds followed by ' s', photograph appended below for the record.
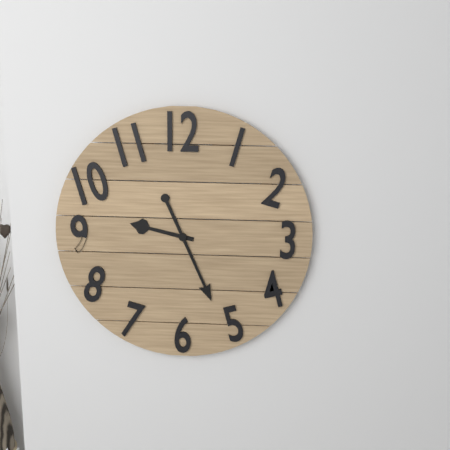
9 h 26 min
